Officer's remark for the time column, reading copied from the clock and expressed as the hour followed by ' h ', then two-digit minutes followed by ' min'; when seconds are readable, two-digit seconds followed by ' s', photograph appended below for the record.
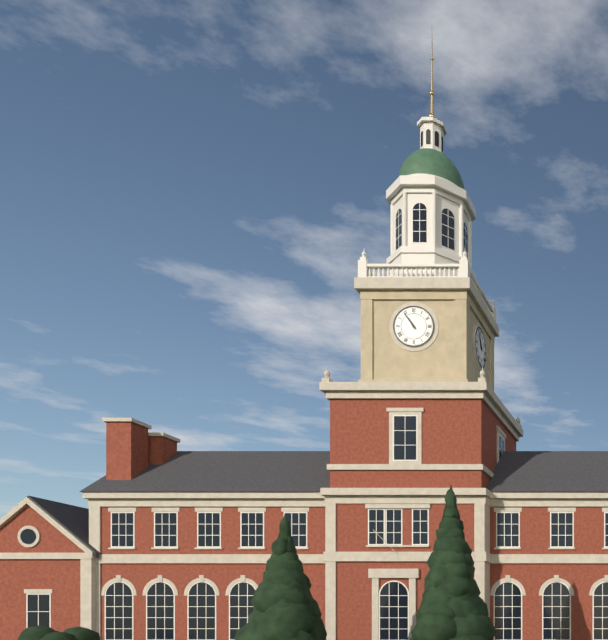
10 h 54 min
